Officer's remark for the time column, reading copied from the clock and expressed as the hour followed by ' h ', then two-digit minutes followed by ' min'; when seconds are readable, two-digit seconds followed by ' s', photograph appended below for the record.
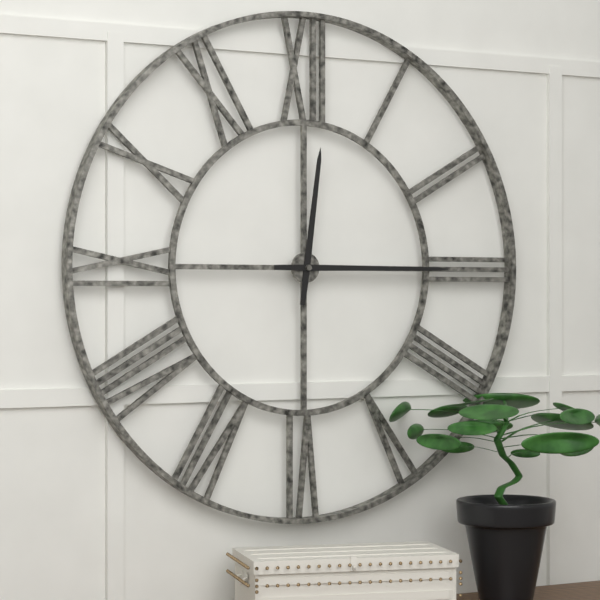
12 h 15 min
